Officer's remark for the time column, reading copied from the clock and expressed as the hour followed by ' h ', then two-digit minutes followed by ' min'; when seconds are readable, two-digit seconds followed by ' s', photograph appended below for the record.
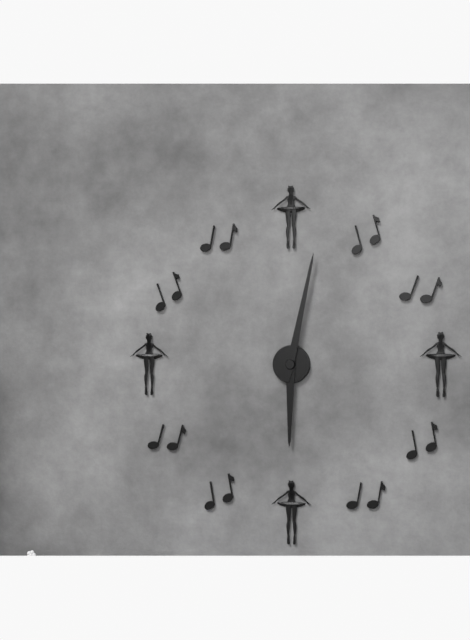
6 h 02 min
